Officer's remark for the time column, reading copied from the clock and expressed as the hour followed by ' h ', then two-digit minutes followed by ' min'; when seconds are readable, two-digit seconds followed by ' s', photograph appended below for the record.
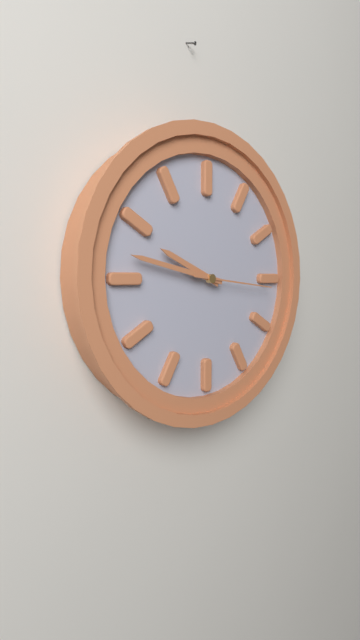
9 h 47 min 16 s
